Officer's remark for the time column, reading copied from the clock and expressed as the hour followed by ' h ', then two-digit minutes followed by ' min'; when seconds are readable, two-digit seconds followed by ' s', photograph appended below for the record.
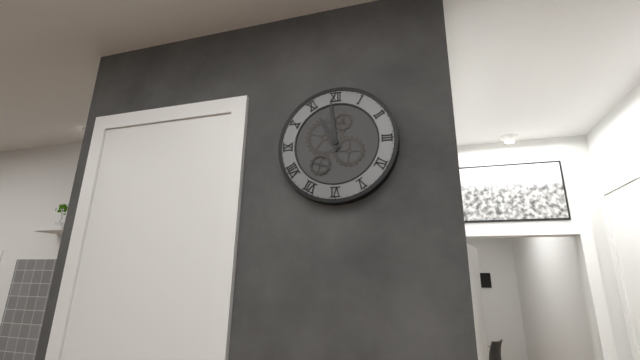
10 h 59 min
